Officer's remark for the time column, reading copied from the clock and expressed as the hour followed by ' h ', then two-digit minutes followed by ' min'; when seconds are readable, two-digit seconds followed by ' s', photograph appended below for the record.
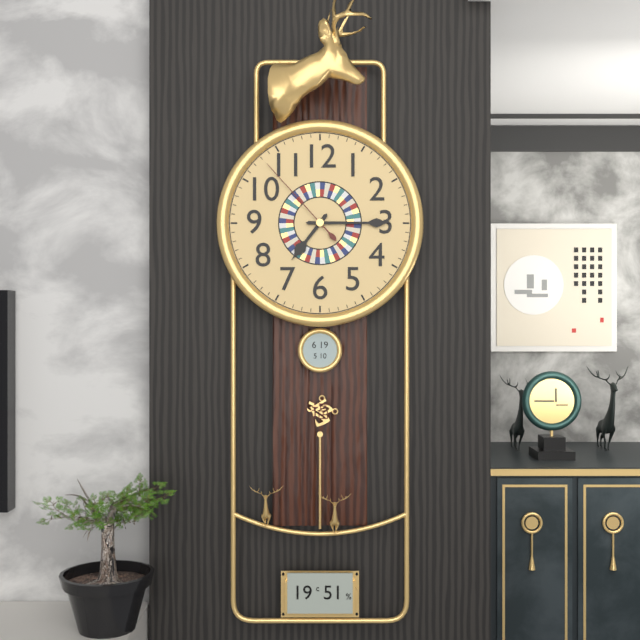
7 h 15 min 53 s
